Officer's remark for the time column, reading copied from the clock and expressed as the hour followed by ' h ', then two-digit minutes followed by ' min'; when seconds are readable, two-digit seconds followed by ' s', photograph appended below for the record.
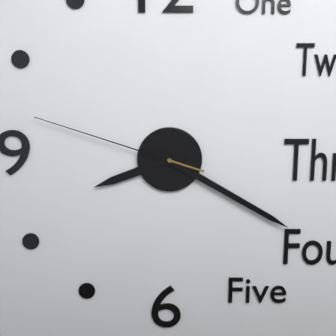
8 h 20 min 48 s
